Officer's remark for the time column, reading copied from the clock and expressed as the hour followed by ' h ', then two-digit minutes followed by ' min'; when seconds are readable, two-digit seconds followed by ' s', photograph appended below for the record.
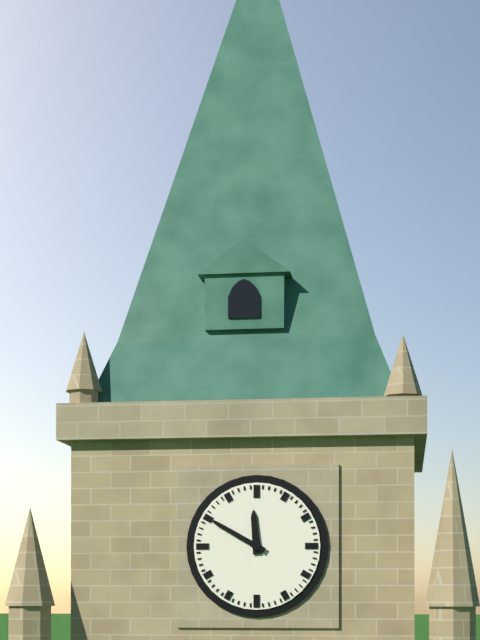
11 h 50 min
